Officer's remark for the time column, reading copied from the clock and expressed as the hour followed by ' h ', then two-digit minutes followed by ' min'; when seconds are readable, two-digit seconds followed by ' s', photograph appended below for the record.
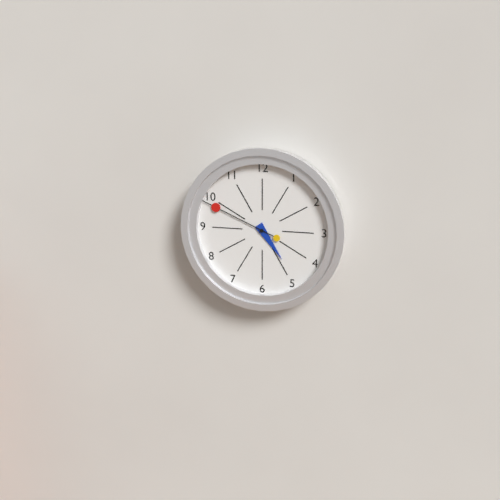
4 h 49 min
